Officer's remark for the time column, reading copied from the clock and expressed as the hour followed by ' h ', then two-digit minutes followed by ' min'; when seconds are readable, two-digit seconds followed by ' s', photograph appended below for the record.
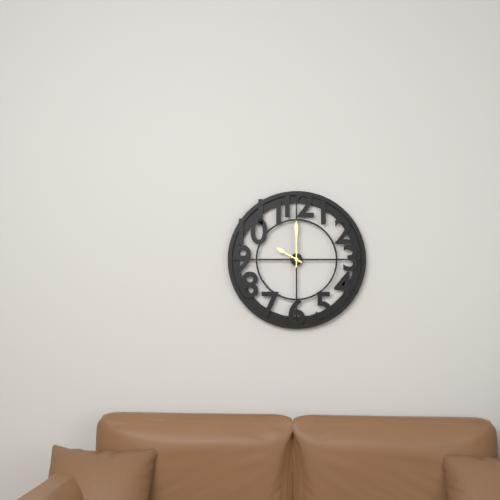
10 h 00 min
